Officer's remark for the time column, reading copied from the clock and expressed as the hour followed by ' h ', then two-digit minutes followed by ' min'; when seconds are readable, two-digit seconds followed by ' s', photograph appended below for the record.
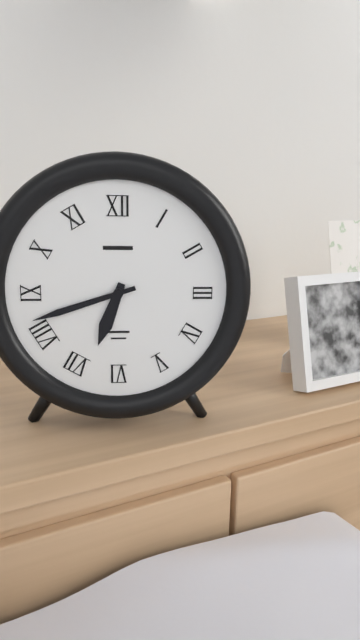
6 h 42 min
